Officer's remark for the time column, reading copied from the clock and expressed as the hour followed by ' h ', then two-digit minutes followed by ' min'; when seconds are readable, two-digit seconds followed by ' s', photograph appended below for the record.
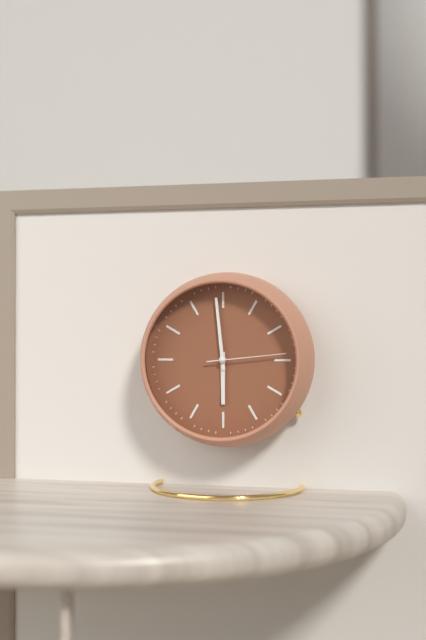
5 h 59 min 14 s
